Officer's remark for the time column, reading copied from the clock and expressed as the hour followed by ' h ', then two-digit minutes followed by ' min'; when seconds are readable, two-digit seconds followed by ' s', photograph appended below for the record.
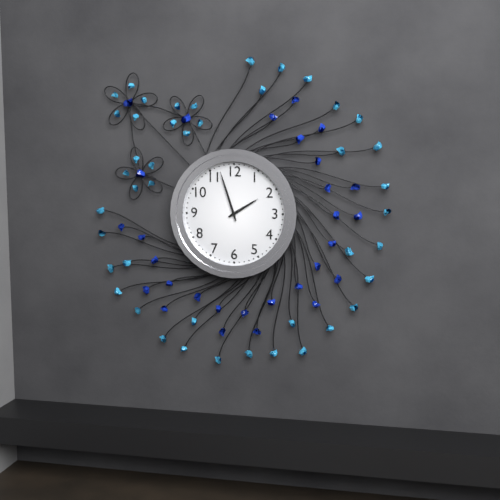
1 h 57 min
